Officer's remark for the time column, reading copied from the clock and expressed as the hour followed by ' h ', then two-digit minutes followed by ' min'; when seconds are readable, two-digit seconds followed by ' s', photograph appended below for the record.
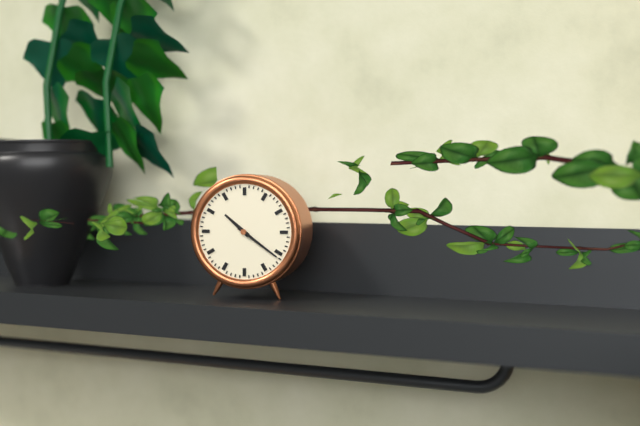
10 h 21 min
